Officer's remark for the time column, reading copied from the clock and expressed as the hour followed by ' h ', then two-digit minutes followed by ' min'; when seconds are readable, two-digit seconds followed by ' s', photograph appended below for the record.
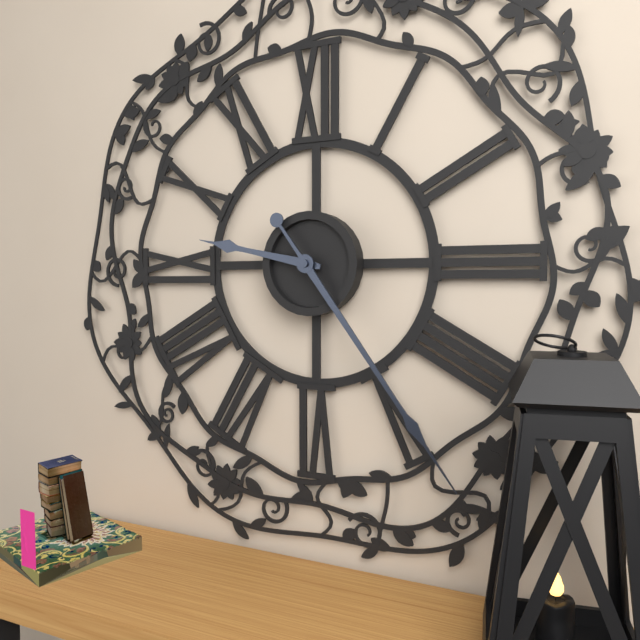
9 h 24 min
